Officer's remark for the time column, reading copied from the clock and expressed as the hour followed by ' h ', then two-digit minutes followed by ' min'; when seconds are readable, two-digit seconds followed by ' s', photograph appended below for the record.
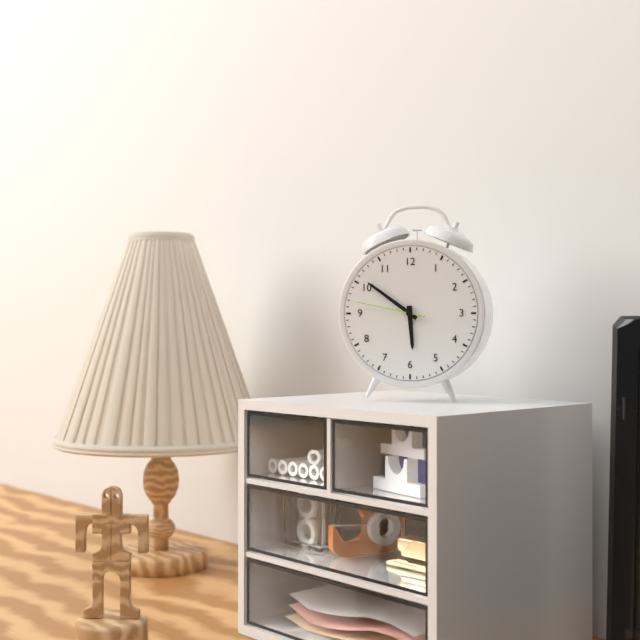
5 h 51 min 47 s
